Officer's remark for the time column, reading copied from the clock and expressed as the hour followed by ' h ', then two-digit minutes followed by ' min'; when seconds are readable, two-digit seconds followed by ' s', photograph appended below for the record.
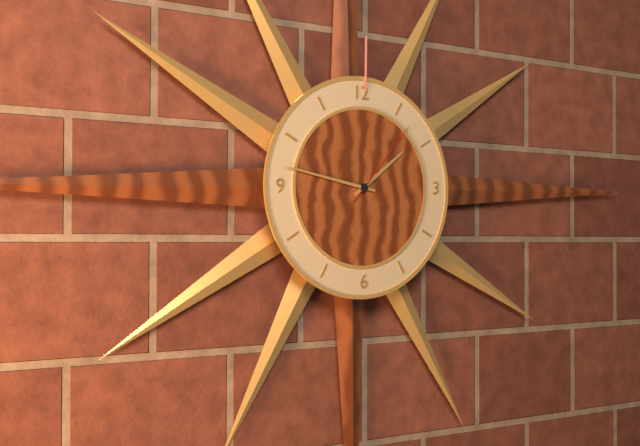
1 h 47 min 07 s
